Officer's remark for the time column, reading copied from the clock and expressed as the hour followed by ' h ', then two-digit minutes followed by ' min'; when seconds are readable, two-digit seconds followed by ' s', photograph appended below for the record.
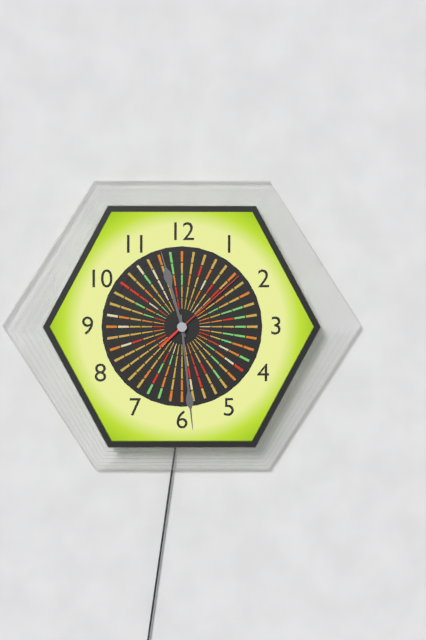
11 h 29 min 08 s
